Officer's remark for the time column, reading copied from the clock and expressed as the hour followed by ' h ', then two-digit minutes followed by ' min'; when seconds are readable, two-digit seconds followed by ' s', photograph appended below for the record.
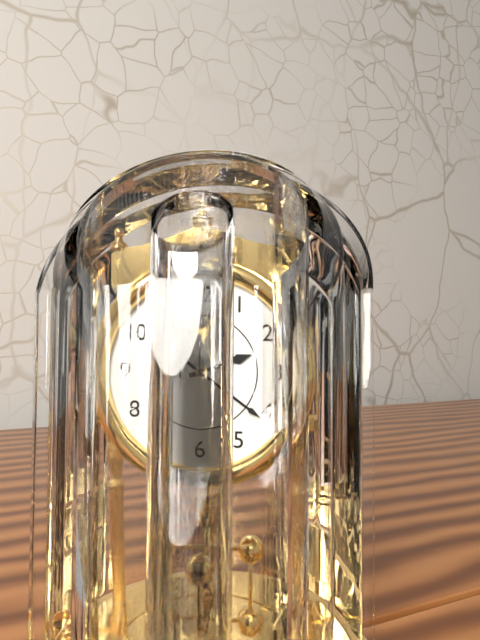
2 h 21 min
